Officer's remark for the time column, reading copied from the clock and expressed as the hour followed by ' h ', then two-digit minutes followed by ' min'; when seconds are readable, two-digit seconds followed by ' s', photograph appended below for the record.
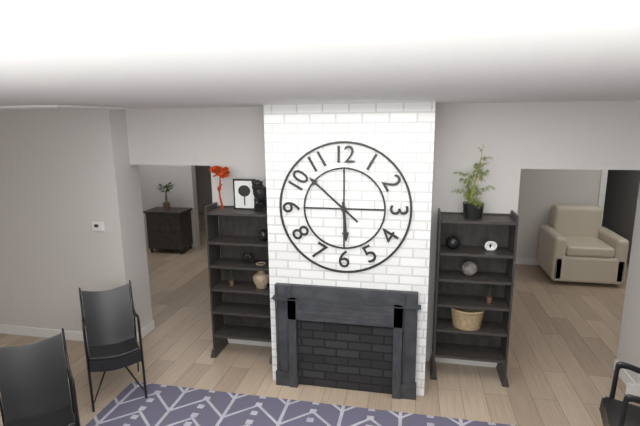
5 h 52 min
